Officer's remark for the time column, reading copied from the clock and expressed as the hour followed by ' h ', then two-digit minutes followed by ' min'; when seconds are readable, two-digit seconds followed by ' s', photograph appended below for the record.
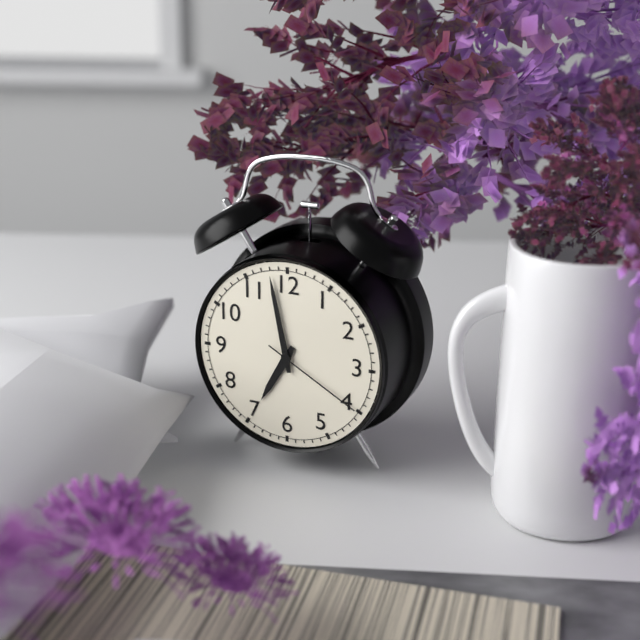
6 h 58 min 20 s
